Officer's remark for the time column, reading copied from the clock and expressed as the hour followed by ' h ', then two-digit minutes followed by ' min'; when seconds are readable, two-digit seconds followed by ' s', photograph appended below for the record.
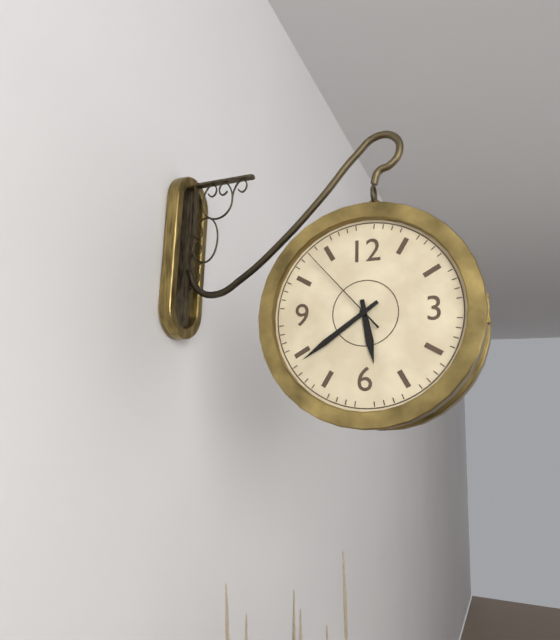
5 h 39 min 53 s
